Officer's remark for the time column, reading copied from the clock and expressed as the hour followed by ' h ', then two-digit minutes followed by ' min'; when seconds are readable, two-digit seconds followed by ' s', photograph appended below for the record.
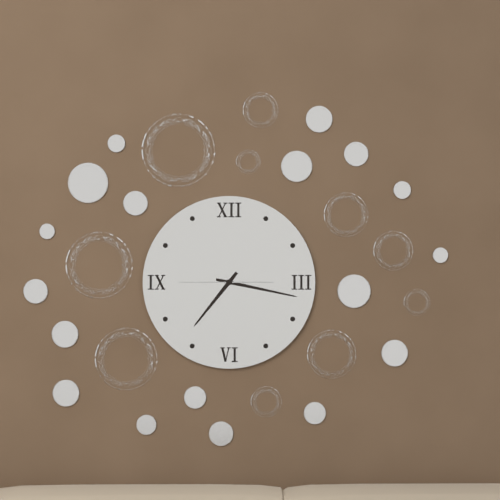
7 h 17 min 45 s
